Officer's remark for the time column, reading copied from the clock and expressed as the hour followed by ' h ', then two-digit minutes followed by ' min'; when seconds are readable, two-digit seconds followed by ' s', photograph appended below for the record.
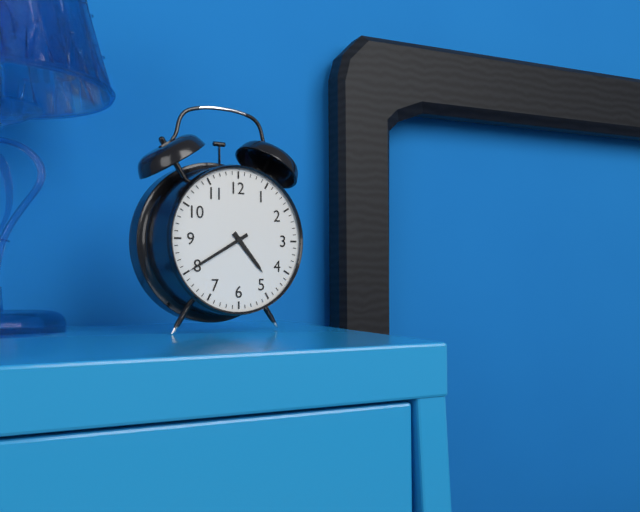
4 h 40 min
